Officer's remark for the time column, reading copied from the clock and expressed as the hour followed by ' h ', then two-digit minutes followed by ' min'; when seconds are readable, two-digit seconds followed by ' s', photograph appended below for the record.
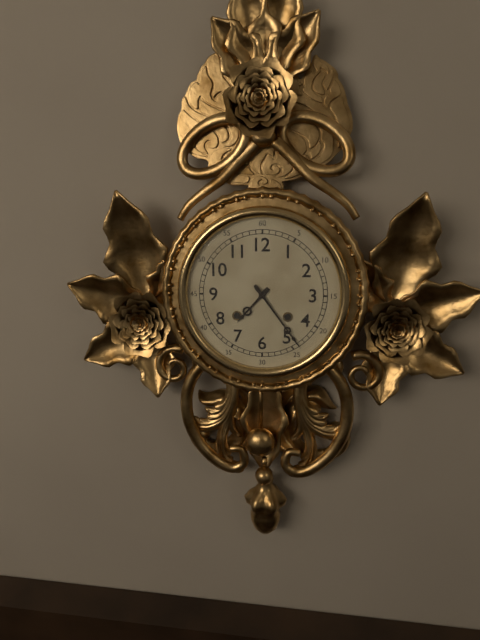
7 h 24 min
